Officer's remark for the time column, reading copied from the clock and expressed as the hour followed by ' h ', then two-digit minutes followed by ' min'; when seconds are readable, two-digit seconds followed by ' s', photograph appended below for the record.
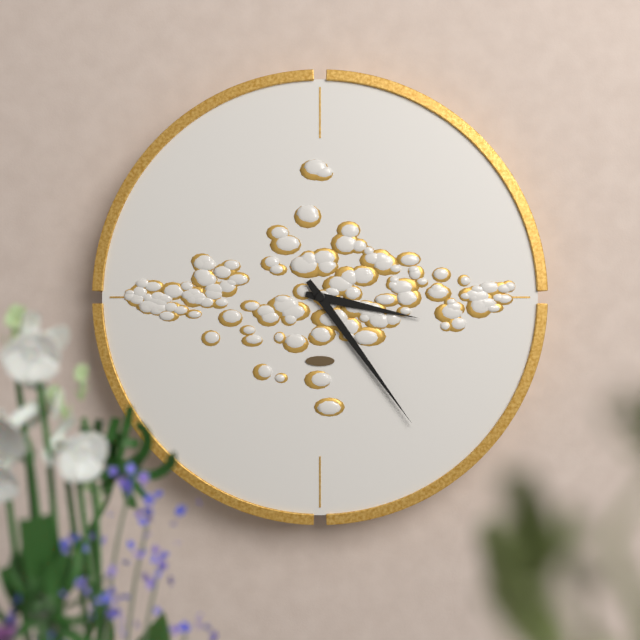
3 h 24 min
